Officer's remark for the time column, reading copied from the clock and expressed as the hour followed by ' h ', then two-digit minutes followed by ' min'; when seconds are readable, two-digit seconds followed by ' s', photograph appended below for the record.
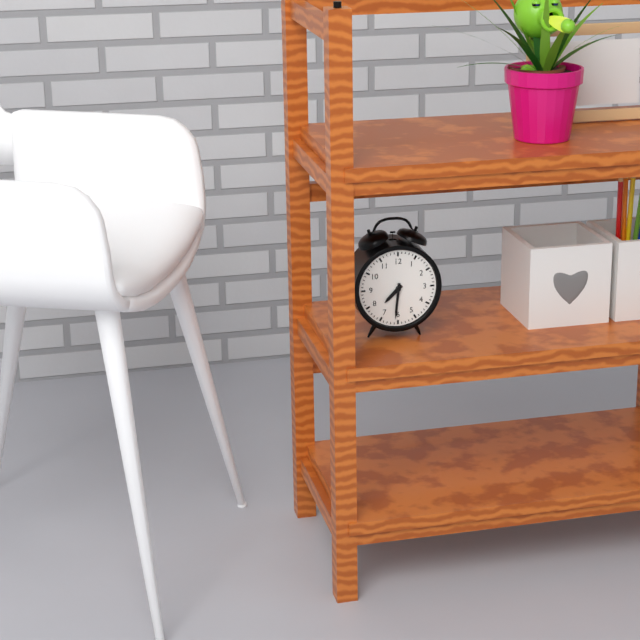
7 h 31 min
